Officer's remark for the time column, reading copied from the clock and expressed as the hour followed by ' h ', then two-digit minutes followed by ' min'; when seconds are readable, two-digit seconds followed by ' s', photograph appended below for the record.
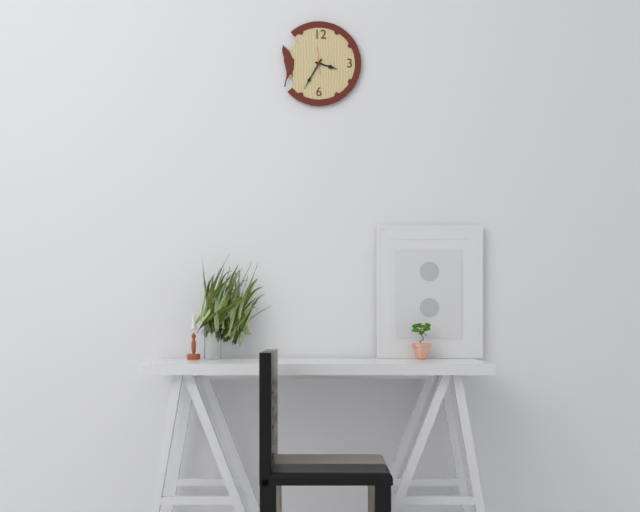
3 h 35 min
